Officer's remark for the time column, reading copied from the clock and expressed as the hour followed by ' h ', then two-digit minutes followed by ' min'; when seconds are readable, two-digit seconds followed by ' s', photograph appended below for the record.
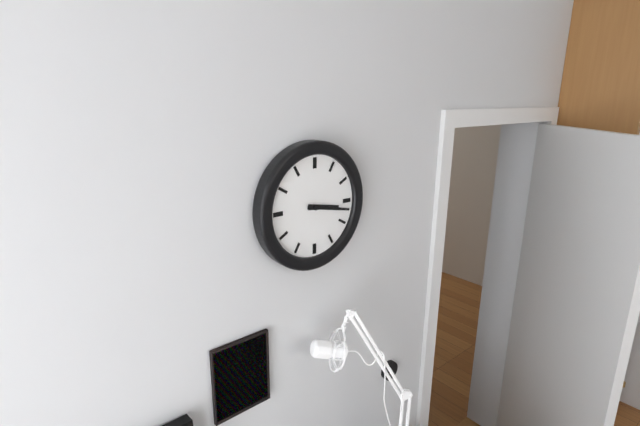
3 h 17 min
